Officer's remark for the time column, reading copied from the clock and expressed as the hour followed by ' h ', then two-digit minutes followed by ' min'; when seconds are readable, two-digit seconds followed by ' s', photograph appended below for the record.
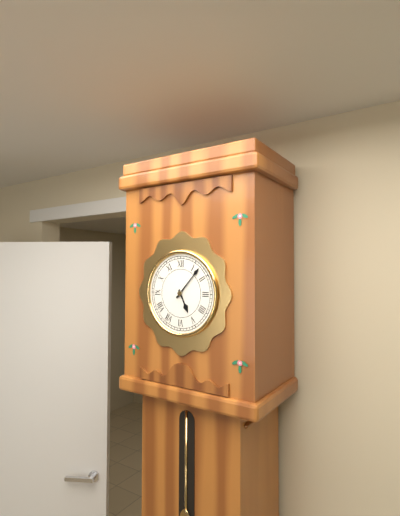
5 h 07 min
